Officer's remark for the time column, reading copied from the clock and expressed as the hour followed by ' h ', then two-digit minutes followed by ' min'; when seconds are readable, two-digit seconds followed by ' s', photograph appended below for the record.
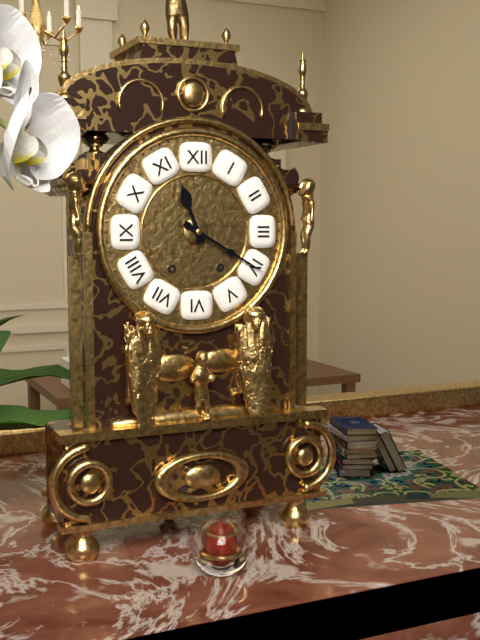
11 h 20 min
